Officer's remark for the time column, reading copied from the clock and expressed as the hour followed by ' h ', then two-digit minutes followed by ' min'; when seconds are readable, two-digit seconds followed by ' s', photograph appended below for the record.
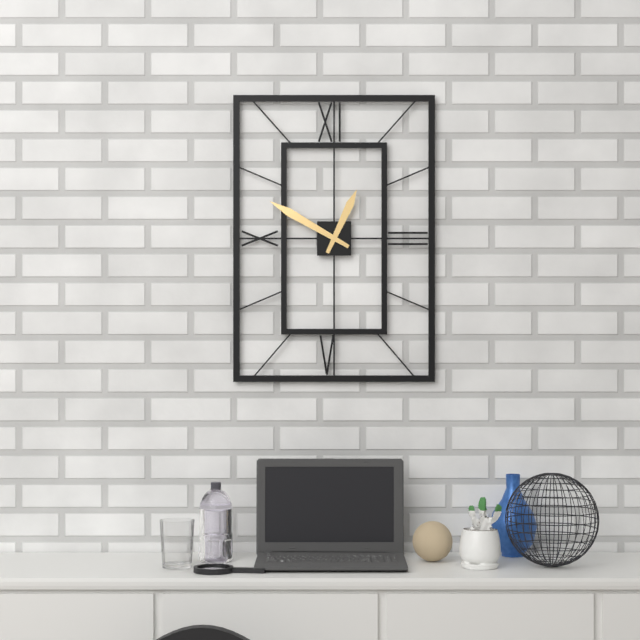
12 h 50 min
